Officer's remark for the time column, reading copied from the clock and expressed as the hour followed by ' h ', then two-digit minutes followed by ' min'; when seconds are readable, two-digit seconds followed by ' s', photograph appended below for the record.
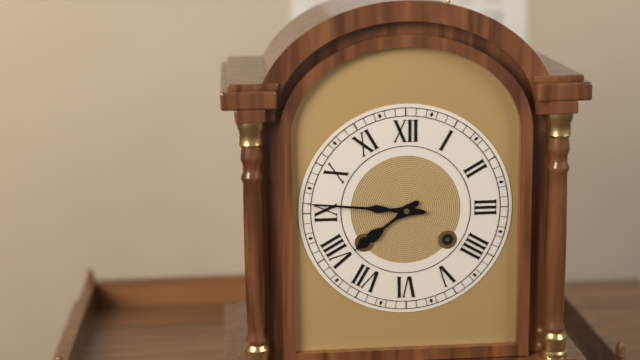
7 h 46 min
